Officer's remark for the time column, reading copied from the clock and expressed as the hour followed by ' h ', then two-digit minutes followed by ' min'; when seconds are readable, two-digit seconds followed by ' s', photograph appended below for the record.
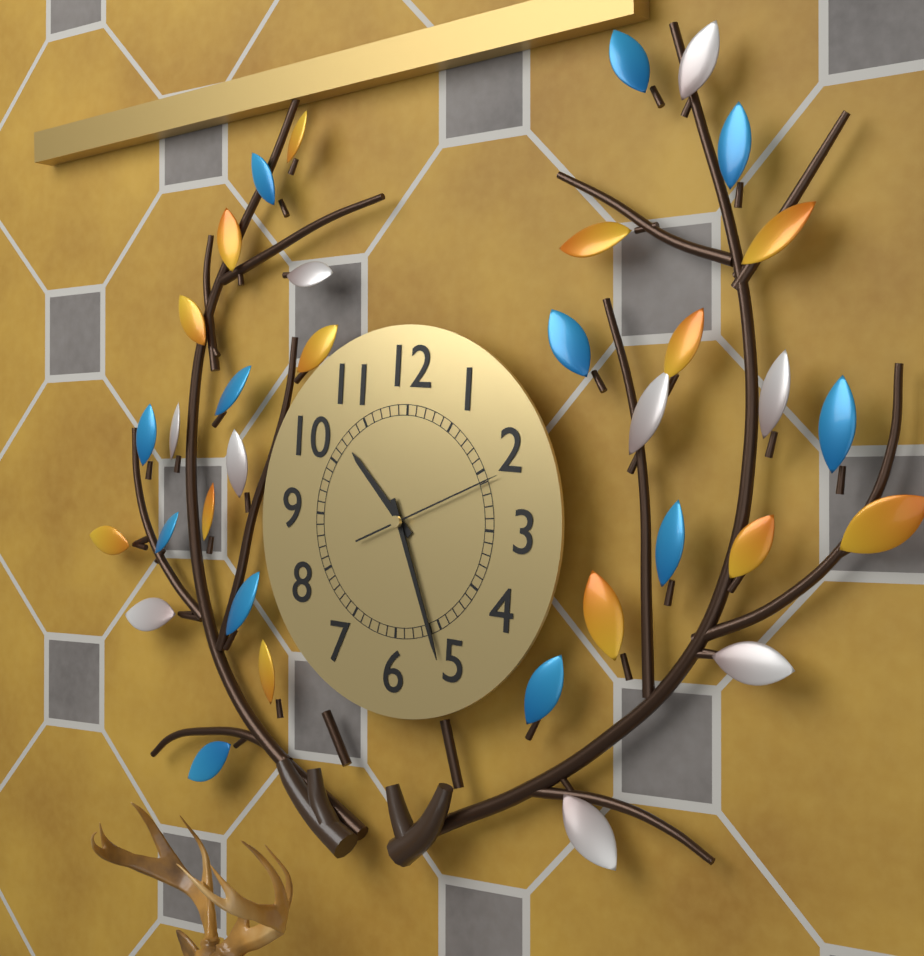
10 h 26 min 11 s
